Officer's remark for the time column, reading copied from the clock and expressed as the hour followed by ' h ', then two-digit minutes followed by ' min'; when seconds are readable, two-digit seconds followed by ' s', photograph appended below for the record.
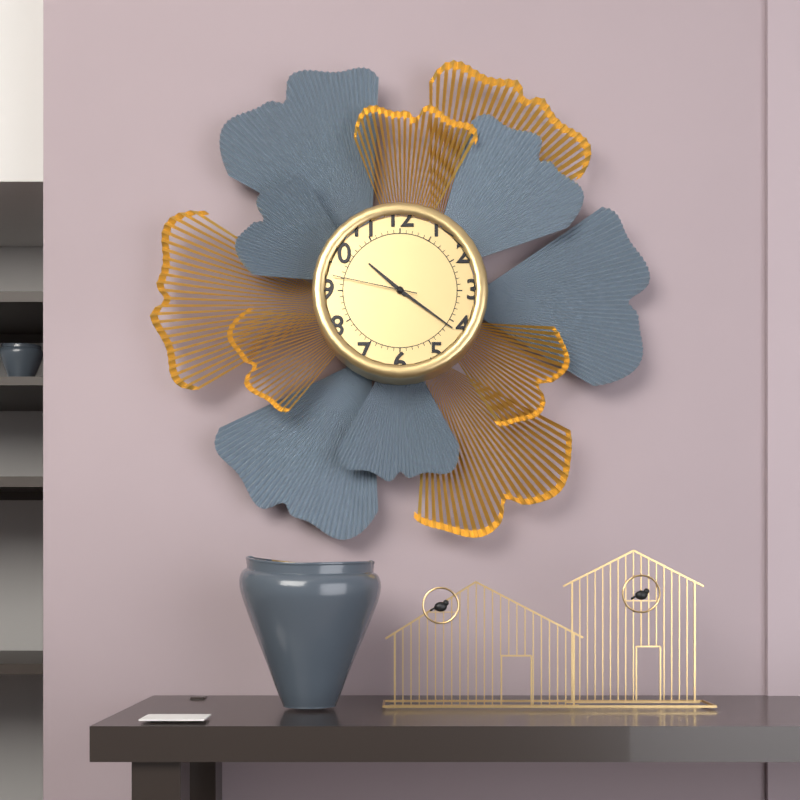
10 h 21 min 47 s
